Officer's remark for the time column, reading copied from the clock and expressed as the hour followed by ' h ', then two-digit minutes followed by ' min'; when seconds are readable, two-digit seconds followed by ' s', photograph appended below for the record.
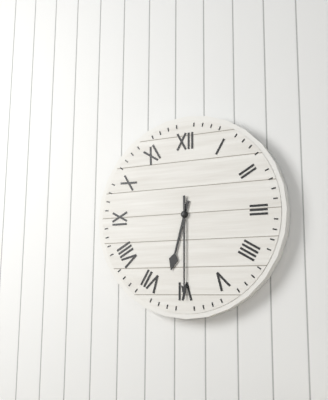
6 h 30 min
